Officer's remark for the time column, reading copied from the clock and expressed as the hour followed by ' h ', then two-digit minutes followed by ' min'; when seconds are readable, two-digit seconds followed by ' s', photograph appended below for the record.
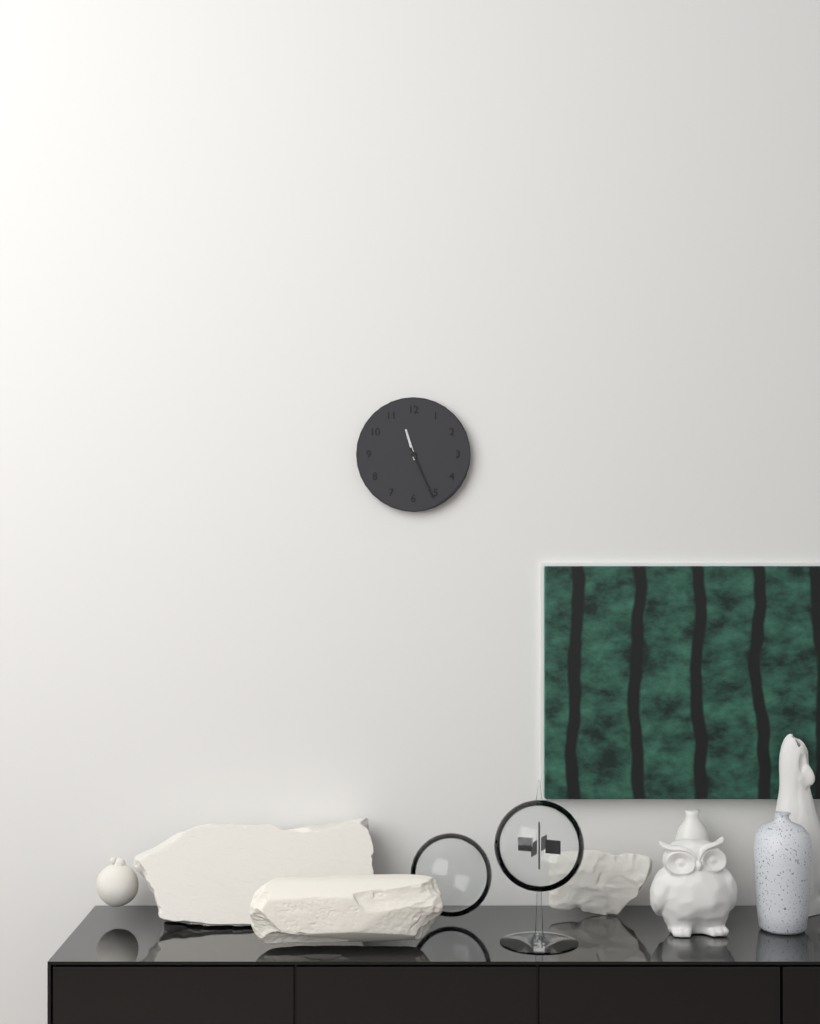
11 h 26 min
